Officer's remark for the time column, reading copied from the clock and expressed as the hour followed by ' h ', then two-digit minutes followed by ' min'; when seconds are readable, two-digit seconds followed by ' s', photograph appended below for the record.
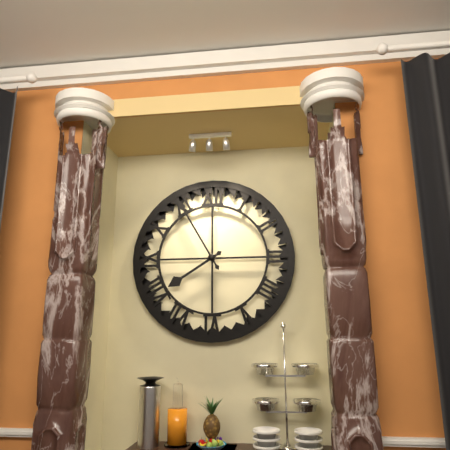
7 h 55 min
